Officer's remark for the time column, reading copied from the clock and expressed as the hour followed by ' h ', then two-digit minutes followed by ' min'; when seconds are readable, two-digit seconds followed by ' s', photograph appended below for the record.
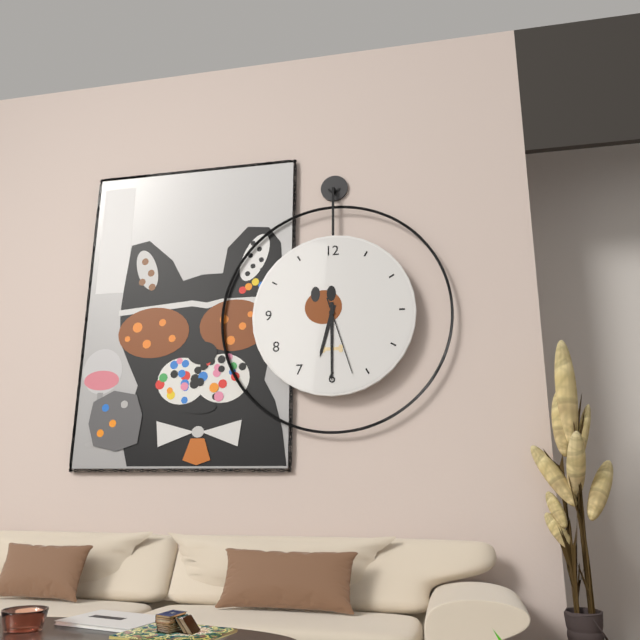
6 h 30 min 27 s
